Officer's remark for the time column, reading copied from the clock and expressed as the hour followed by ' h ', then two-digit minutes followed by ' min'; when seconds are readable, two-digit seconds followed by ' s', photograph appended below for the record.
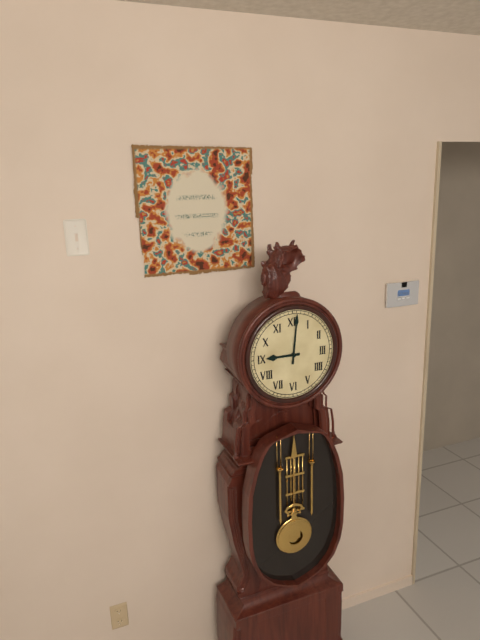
9 h 01 min
